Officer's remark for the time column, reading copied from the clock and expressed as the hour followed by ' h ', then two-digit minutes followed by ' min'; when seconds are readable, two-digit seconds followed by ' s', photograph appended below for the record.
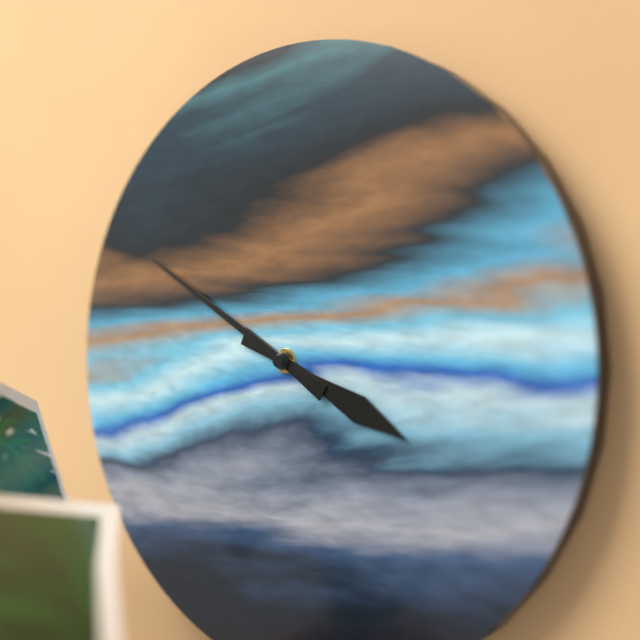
3 h 50 min
